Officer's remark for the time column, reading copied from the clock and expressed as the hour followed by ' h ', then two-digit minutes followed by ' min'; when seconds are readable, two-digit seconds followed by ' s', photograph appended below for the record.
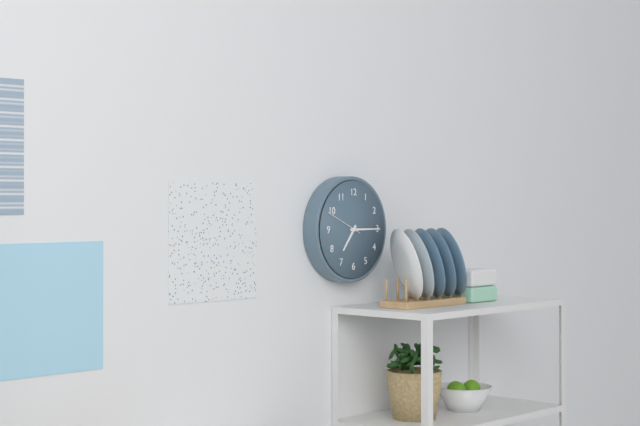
7 h 15 min
